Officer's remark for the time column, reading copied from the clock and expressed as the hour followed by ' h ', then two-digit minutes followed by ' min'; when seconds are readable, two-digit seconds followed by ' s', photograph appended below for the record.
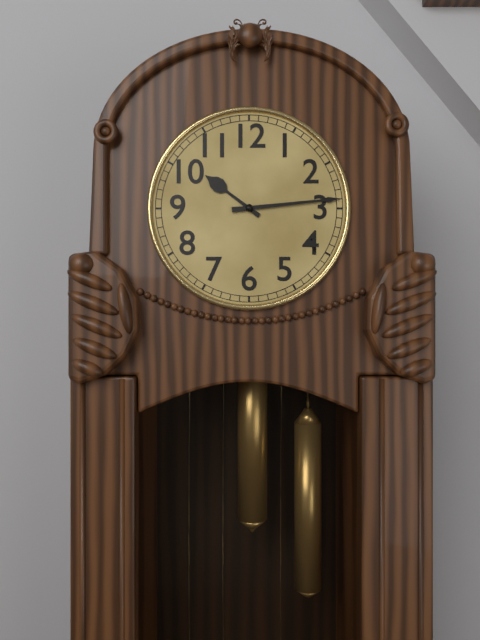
10 h 14 min
